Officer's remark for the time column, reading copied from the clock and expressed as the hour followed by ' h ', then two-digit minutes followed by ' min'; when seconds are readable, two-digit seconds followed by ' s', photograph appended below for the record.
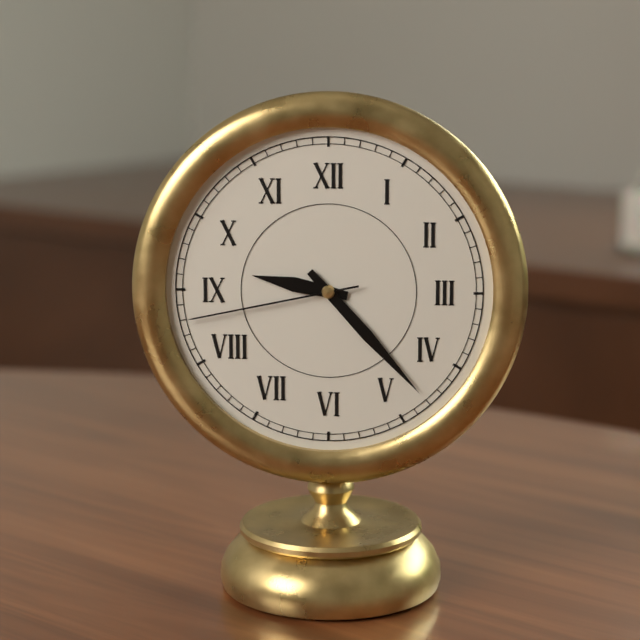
9 h 23 min 43 s
